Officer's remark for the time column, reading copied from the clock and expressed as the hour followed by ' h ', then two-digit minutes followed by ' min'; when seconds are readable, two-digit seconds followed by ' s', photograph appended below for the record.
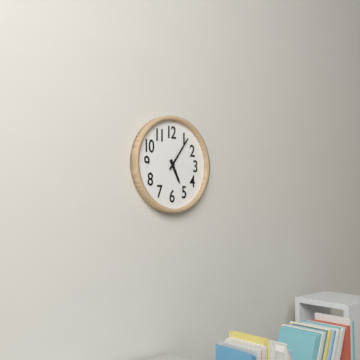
5 h 06 min
